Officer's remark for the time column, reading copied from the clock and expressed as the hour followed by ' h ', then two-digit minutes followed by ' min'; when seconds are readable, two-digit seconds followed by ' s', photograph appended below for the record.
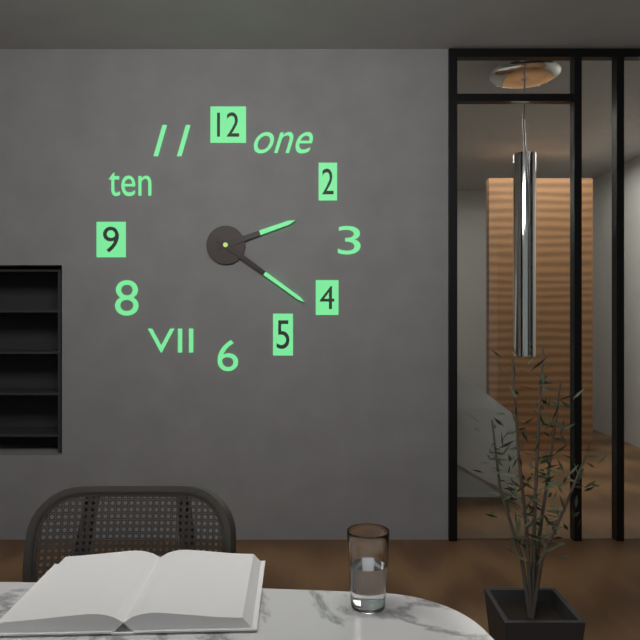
2 h 21 min
